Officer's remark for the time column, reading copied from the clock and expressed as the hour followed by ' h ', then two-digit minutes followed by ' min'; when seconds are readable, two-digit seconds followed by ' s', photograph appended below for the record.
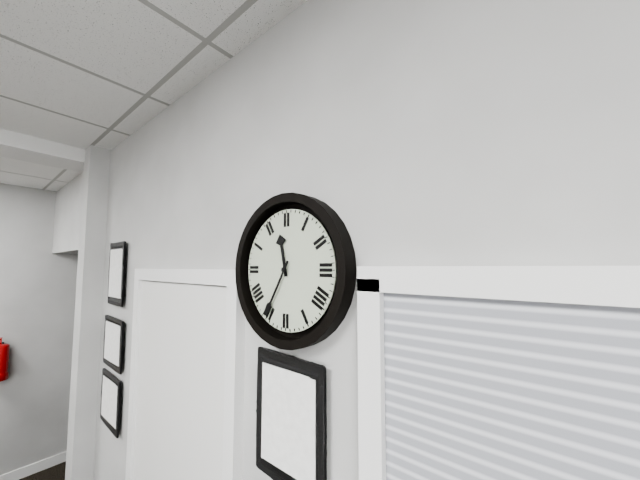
11 h 35 min
